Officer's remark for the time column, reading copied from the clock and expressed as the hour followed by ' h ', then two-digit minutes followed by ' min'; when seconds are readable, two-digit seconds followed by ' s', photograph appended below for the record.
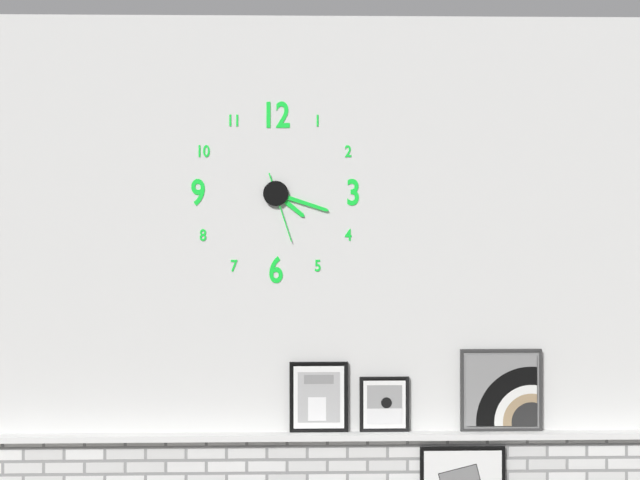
4 h 18 min 27 s
